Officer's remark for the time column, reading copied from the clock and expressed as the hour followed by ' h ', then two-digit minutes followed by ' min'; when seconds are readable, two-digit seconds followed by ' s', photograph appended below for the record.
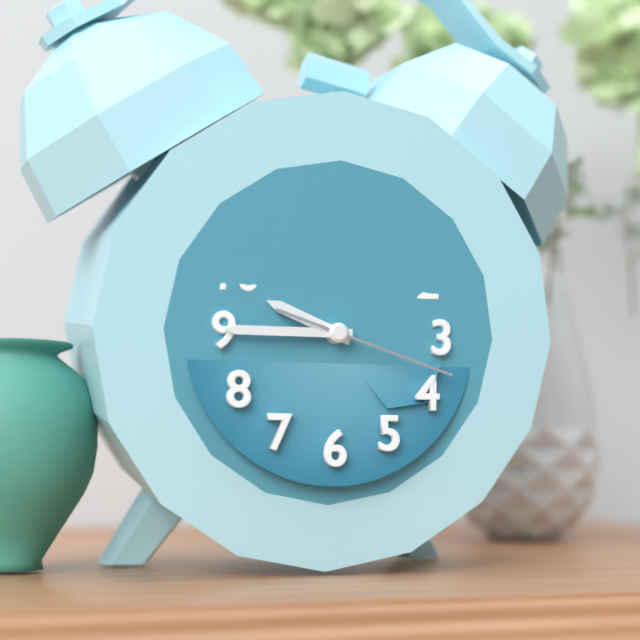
9 h 45 min 18 s
